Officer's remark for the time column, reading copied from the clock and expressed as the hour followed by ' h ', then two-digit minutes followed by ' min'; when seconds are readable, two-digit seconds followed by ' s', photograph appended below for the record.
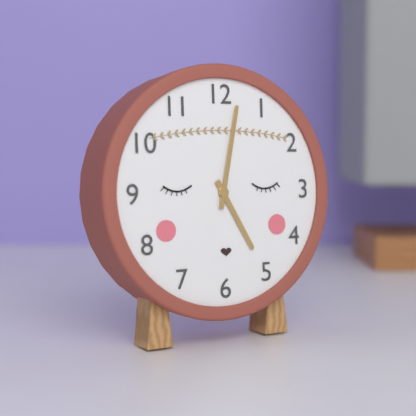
5 h 02 min
